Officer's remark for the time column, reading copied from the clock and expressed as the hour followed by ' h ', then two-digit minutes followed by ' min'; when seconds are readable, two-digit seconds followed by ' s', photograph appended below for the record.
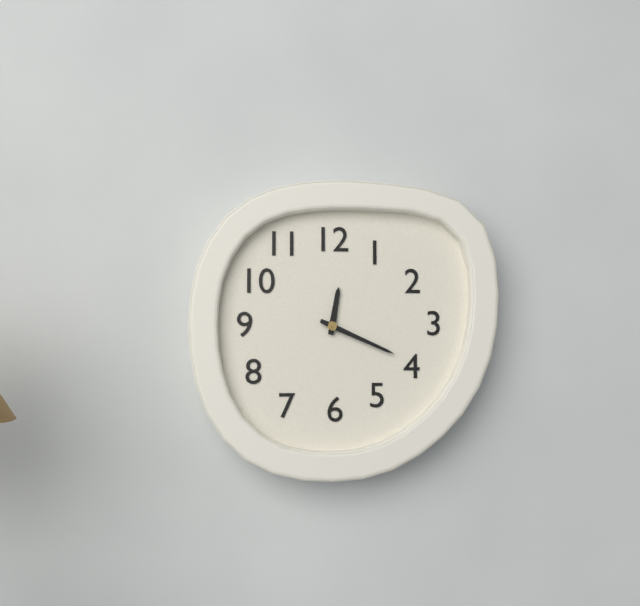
12 h 19 min
